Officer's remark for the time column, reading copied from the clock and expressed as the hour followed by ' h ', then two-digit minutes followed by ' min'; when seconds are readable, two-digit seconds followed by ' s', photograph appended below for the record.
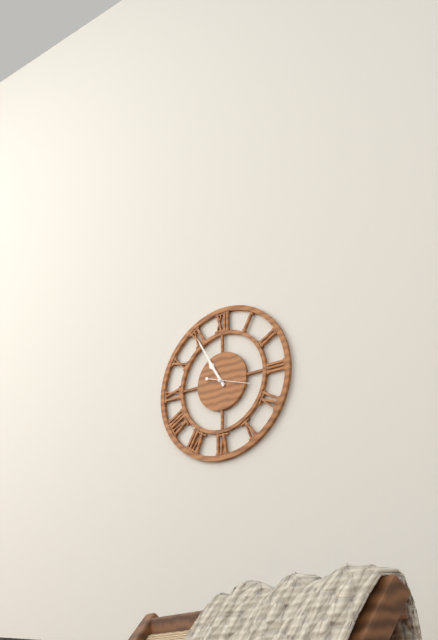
10 h 55 min
